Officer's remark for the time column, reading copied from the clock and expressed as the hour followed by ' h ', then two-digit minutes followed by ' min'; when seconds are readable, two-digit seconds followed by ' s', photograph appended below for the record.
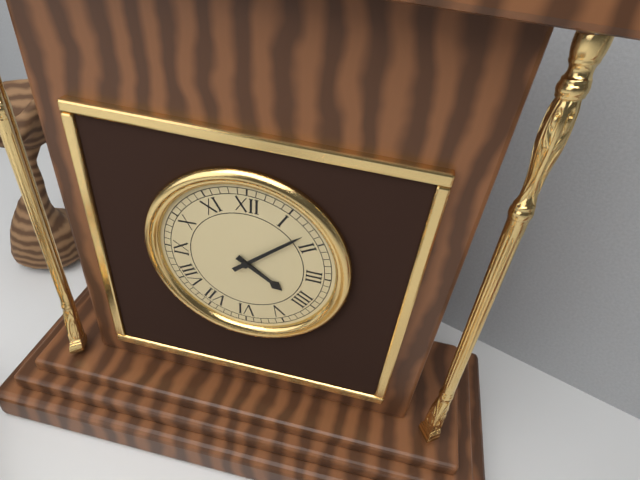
4 h 08 min
